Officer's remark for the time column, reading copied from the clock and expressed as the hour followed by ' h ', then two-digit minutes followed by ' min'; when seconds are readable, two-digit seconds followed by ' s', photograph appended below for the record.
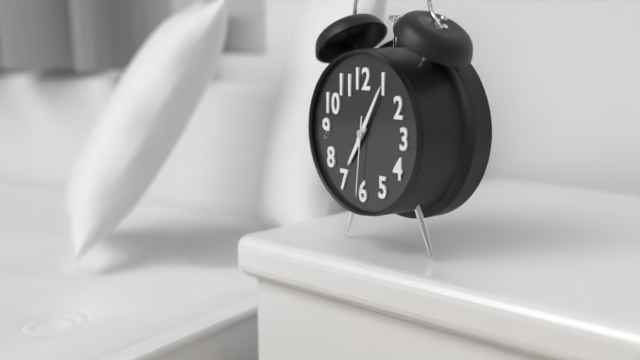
7 h 05 min 31 s
